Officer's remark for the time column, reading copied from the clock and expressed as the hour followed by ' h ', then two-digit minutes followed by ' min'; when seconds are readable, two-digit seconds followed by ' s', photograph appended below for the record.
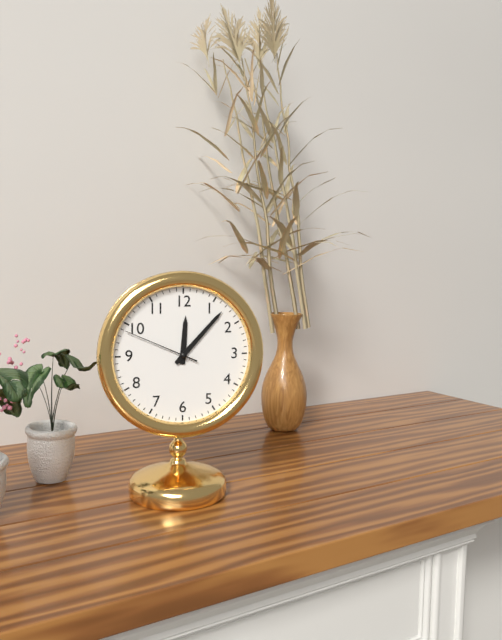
12 h 07 min 49 s
